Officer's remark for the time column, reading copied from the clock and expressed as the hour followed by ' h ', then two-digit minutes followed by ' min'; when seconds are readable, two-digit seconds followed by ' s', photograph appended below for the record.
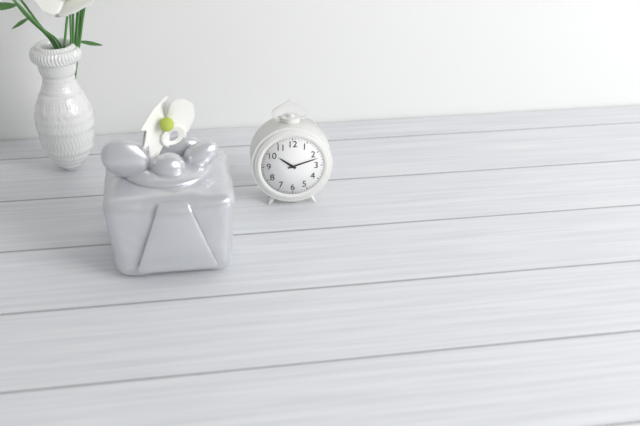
10 h 12 min
